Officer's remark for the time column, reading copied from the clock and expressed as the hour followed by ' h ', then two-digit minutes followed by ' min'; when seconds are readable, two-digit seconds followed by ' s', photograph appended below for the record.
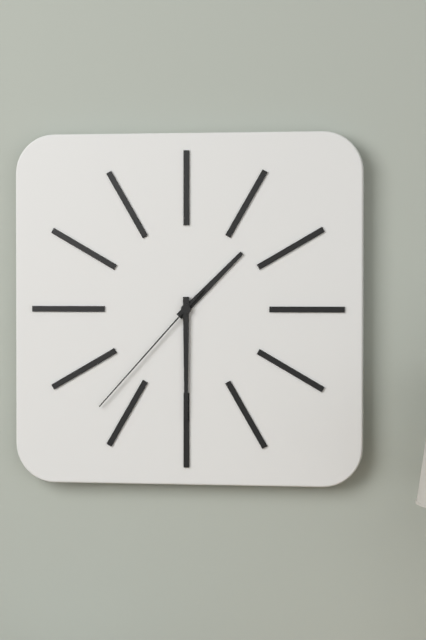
1 h 30 min 37 s
